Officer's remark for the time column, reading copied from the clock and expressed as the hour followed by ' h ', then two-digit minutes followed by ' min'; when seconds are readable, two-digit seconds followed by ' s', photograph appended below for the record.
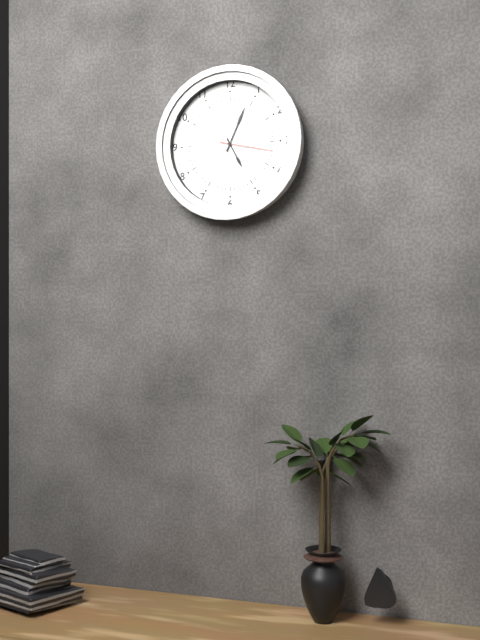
5 h 04 min 17 s
